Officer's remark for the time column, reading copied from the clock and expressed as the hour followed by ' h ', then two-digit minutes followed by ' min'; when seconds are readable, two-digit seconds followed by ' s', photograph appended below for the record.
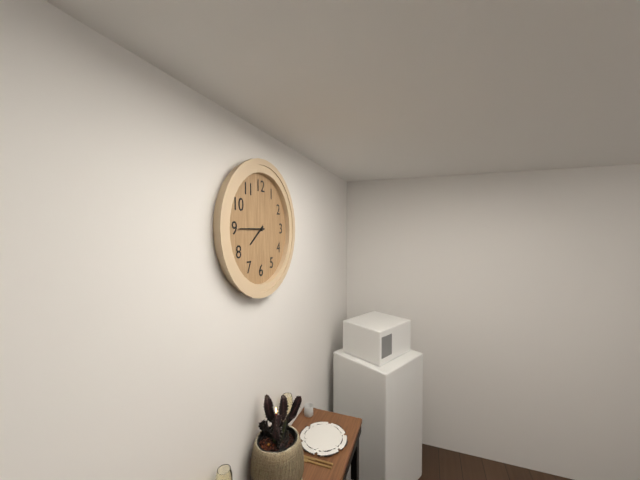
7 h 45 min
